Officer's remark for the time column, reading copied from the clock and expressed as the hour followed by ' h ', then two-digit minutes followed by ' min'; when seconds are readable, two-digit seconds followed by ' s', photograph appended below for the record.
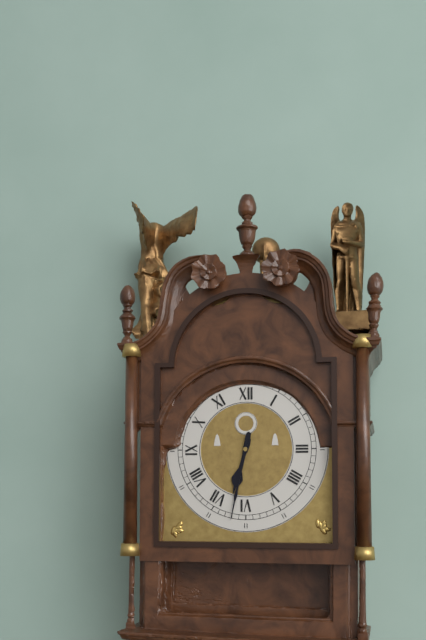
6 h 32 min
